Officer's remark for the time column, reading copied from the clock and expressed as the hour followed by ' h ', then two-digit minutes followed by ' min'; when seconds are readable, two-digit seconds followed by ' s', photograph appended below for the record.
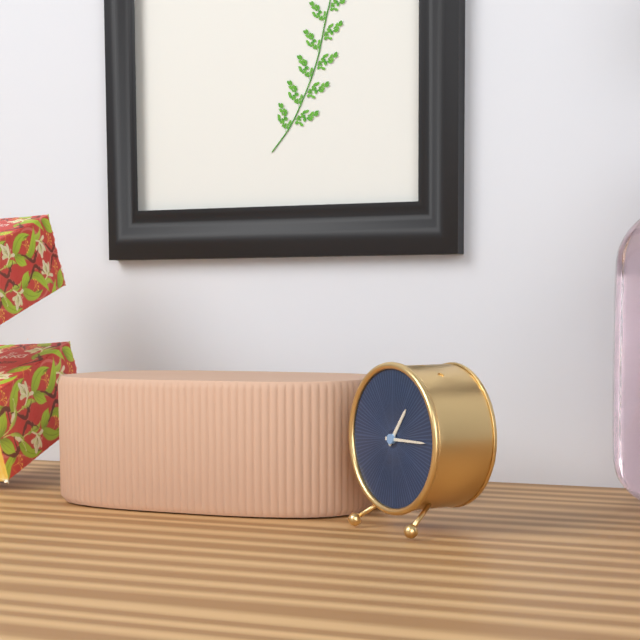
1 h 15 min
